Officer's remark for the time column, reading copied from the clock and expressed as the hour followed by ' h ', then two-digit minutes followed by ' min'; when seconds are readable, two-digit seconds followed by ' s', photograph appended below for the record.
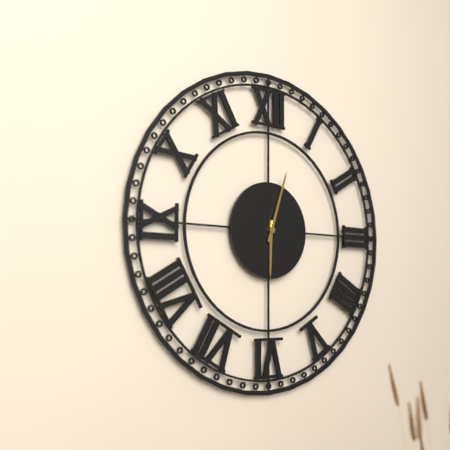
6 h 03 min
